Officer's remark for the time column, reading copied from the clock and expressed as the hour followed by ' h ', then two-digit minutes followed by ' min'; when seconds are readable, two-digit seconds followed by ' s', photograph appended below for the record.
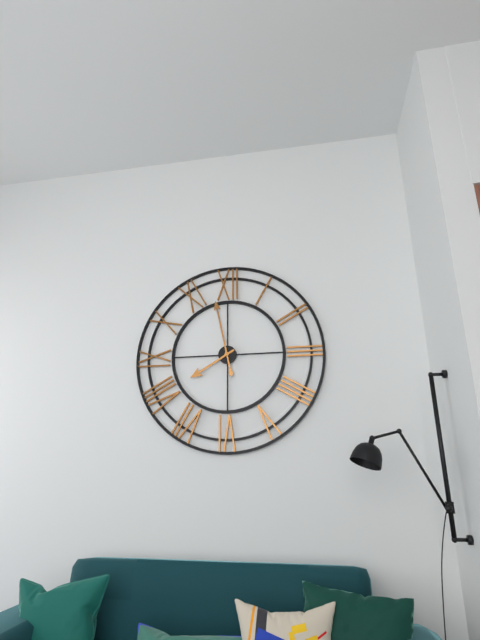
7 h 58 min
